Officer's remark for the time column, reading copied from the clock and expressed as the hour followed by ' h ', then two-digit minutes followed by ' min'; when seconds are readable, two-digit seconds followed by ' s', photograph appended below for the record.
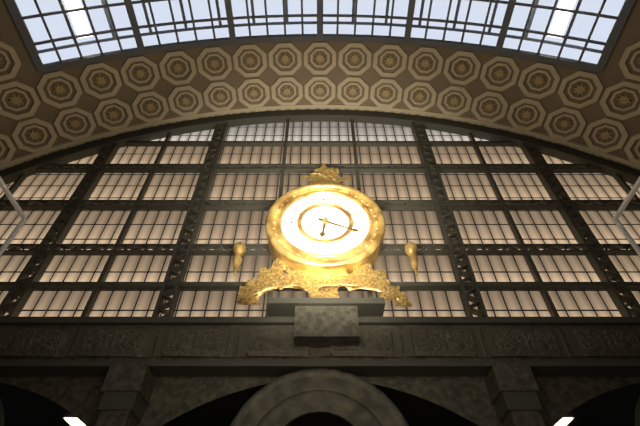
6 h 19 min
